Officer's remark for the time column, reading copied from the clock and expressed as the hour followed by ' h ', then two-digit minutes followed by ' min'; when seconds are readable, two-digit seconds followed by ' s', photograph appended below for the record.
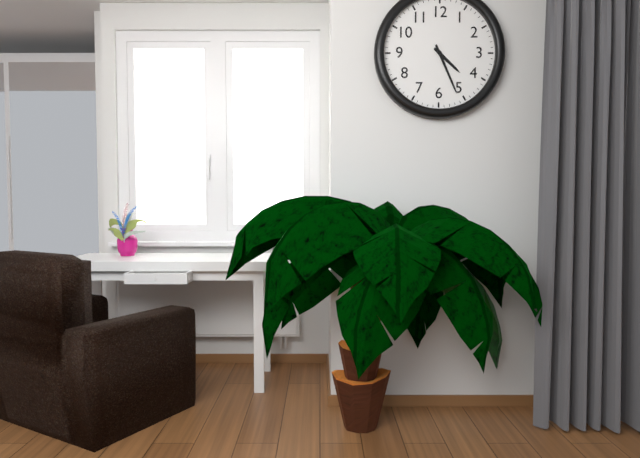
4 h 26 min
